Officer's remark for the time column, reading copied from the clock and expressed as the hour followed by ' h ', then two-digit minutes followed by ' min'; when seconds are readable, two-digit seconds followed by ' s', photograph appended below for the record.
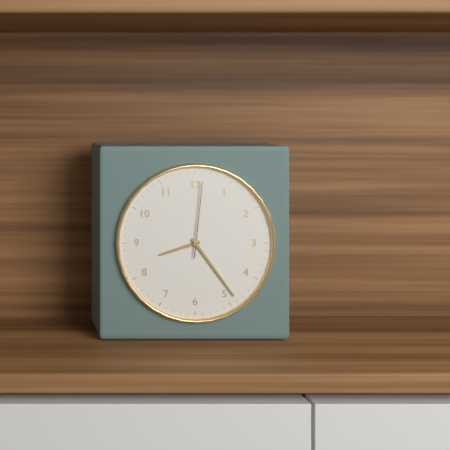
8 h 24 min 01 s
